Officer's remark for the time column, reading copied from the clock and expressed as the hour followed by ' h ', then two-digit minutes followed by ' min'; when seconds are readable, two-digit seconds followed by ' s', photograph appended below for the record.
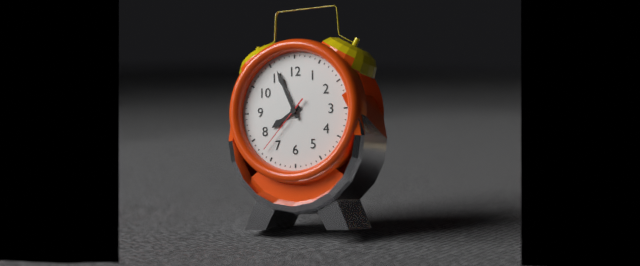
7 h 56 min 37 s
